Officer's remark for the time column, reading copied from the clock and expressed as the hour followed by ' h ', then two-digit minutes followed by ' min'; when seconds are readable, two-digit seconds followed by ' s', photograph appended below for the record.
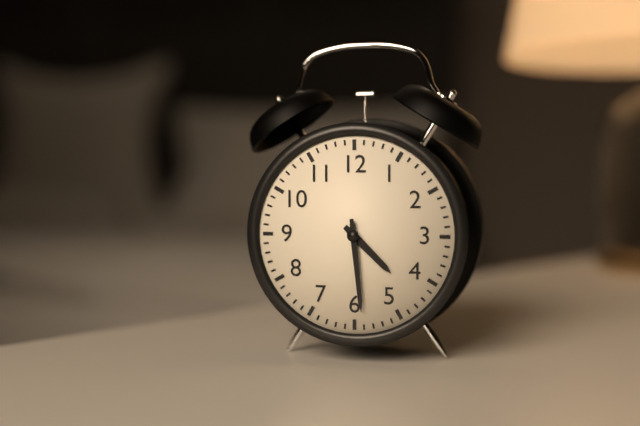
4 h 29 min
